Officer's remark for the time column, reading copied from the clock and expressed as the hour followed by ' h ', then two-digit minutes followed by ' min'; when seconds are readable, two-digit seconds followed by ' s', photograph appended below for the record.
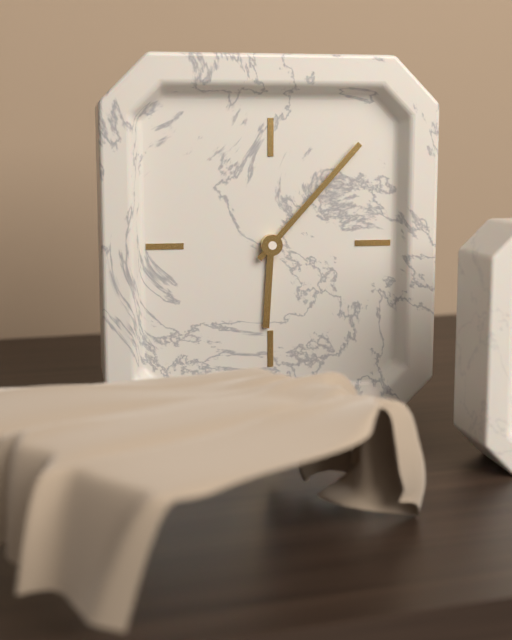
6 h 07 min
